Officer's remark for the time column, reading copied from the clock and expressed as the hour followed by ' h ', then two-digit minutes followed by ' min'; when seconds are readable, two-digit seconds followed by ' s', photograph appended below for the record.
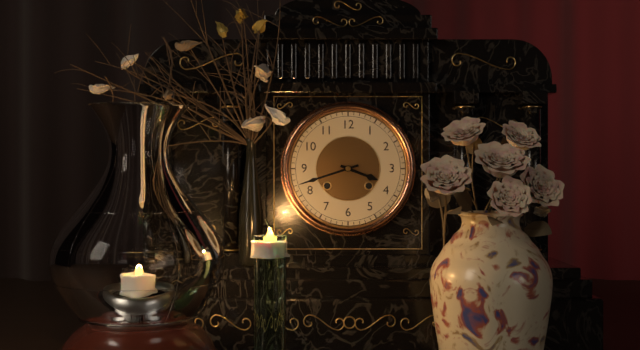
3 h 42 min
